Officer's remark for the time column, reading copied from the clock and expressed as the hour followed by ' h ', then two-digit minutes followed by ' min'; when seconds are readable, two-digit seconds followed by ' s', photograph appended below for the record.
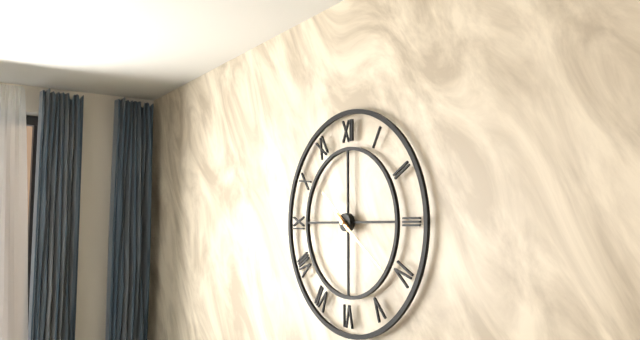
10 h 21 min
